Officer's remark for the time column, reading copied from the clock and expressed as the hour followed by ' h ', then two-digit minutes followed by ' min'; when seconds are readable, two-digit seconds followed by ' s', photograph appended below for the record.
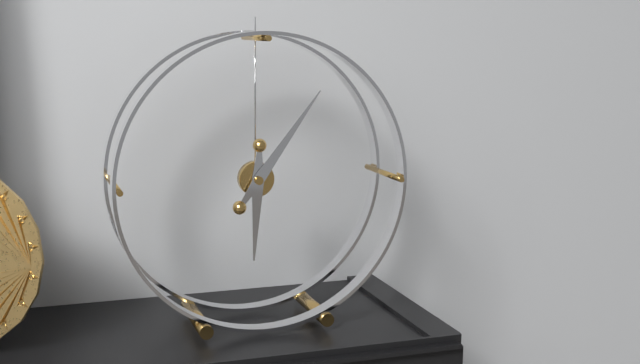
6 h 06 min
